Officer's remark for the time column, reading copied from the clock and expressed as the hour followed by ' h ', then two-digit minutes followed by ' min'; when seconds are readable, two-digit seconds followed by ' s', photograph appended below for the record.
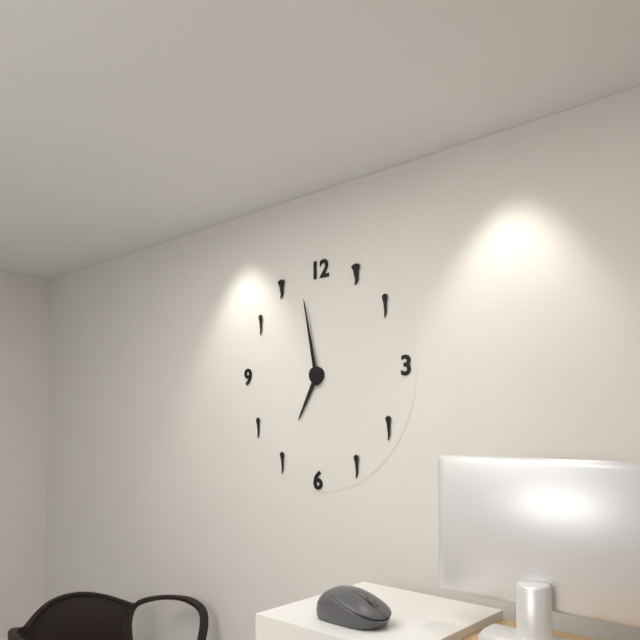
6 h 58 min
